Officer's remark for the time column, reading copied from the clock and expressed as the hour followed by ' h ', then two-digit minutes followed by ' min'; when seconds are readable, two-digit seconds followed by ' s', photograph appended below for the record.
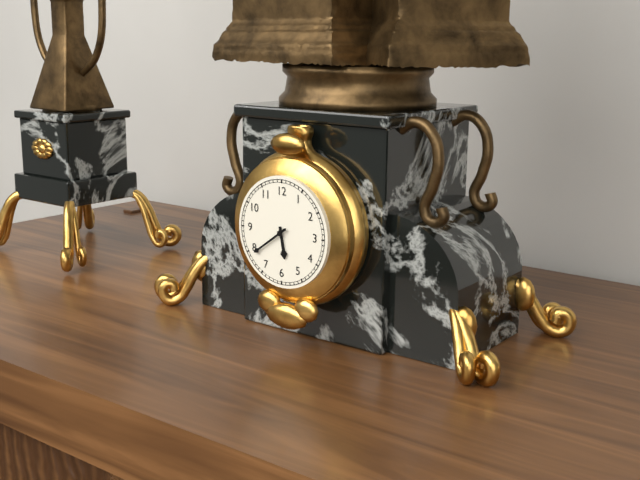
5 h 39 min
